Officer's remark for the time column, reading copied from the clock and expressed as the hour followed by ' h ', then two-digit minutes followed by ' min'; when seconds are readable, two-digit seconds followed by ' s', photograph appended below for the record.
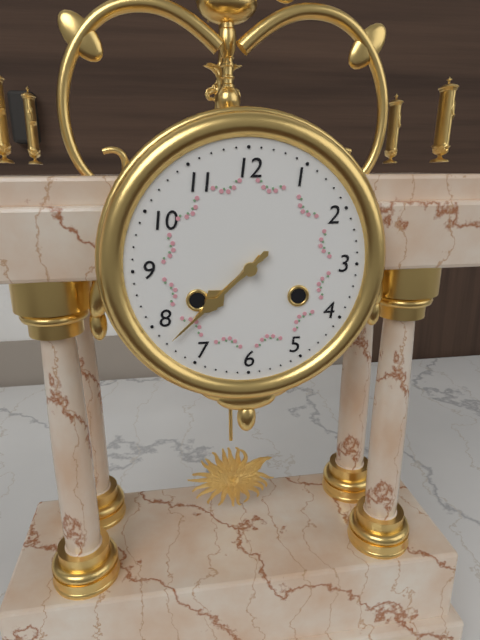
7 h 38 min
